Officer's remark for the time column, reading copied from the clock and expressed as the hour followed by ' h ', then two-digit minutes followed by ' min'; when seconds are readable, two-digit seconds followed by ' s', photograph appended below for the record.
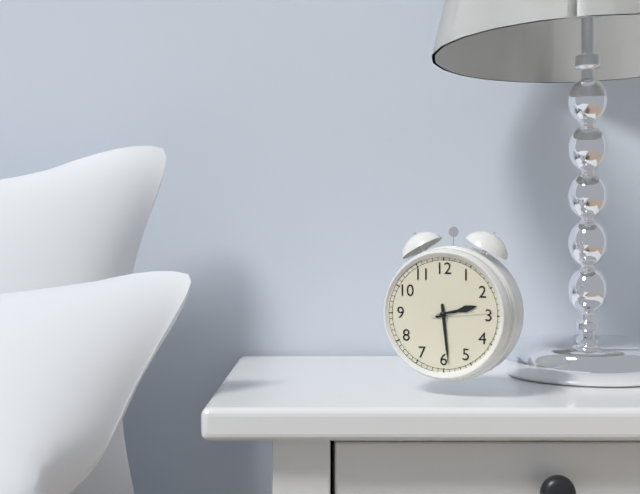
2 h 29 min 14 s
